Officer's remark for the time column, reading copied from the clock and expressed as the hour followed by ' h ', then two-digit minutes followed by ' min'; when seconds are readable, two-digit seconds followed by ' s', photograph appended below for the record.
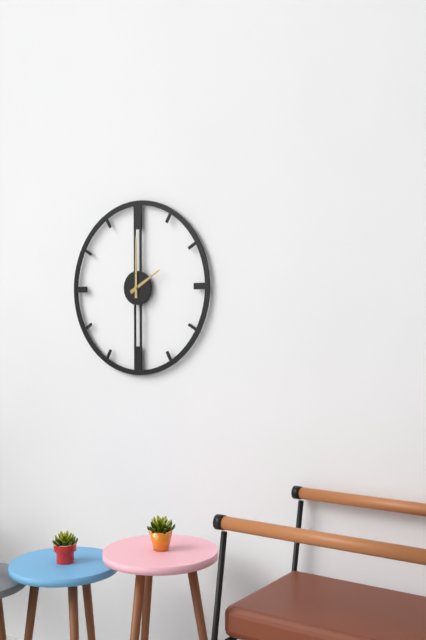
2 h 00 min
